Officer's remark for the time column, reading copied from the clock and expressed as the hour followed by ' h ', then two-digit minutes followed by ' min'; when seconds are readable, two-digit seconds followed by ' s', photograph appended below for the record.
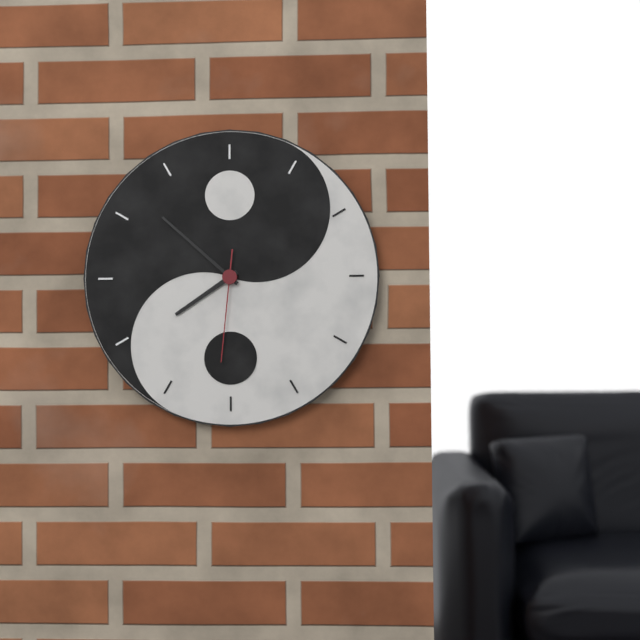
7 h 52 min 31 s
